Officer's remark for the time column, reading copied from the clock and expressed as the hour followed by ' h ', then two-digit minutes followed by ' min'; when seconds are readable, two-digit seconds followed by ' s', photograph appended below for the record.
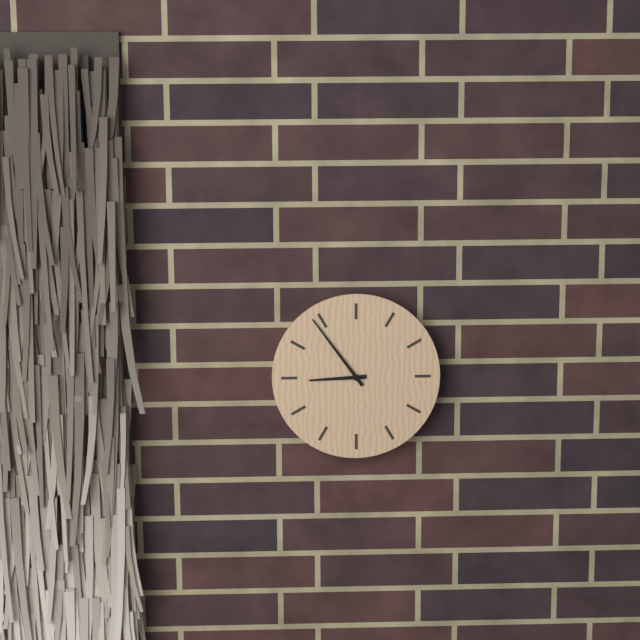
8 h 54 min
